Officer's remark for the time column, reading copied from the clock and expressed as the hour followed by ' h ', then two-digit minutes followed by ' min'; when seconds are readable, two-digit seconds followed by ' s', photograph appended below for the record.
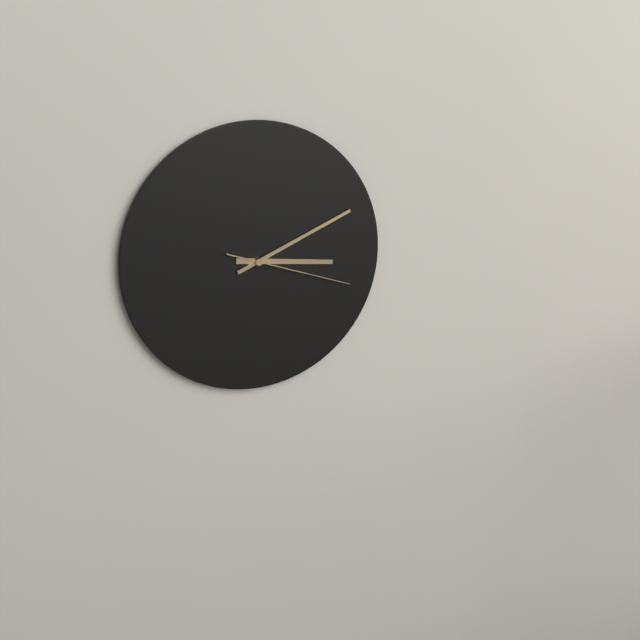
3 h 11 min 18 s
